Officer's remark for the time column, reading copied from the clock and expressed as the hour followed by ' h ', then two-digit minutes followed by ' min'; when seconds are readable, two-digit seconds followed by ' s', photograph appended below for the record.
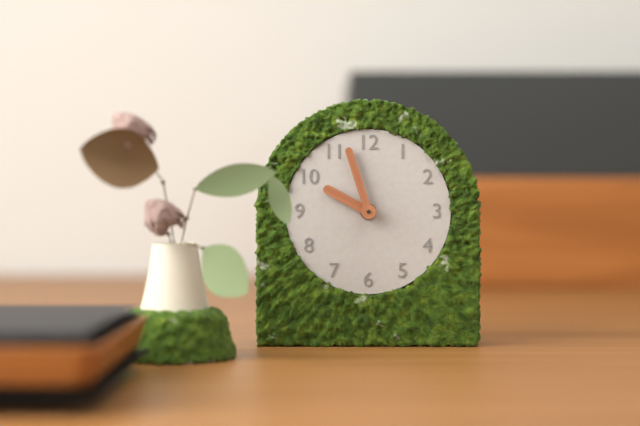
9 h 57 min
